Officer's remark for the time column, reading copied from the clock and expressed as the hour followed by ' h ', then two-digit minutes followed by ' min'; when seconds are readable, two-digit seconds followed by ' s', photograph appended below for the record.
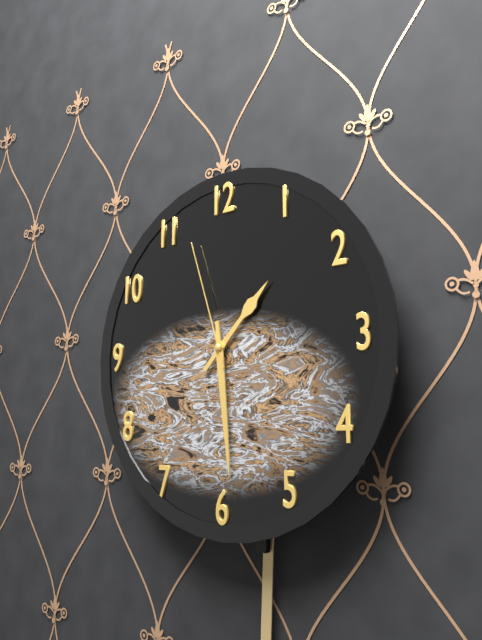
1 h 29 min 57 s
